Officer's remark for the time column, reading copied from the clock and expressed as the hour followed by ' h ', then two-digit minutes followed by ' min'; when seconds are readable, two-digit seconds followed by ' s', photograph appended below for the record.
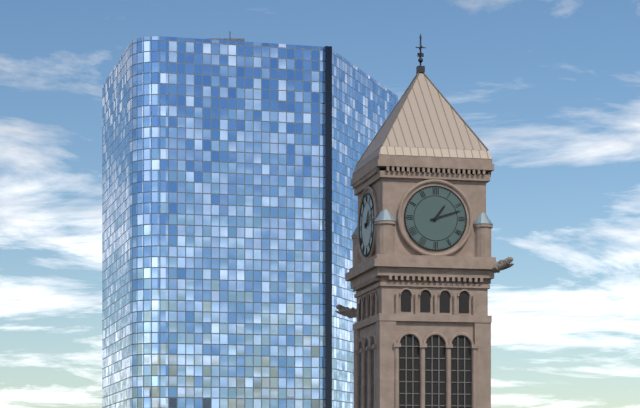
1 h 12 min
